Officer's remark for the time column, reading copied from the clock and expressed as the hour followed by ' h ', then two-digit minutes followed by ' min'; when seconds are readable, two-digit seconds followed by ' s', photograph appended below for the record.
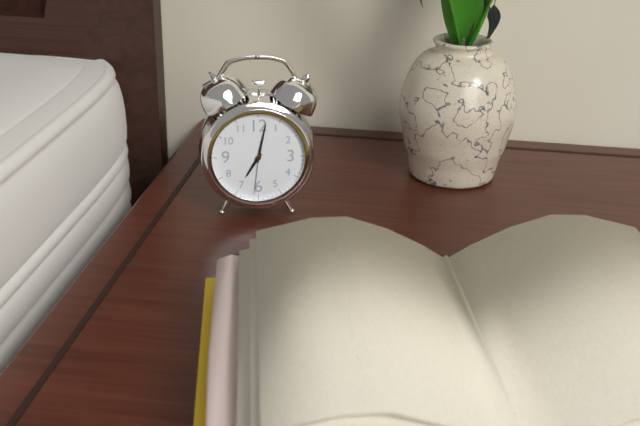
7 h 02 min
